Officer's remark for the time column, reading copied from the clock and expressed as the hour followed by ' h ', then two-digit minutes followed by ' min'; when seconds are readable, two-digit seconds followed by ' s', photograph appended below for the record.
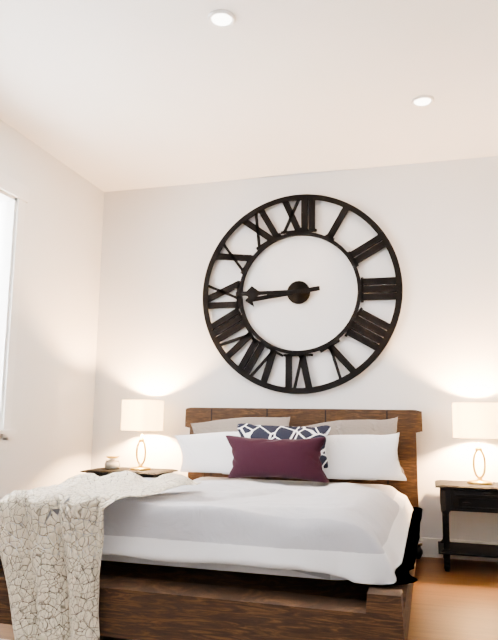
8 h 45 min
